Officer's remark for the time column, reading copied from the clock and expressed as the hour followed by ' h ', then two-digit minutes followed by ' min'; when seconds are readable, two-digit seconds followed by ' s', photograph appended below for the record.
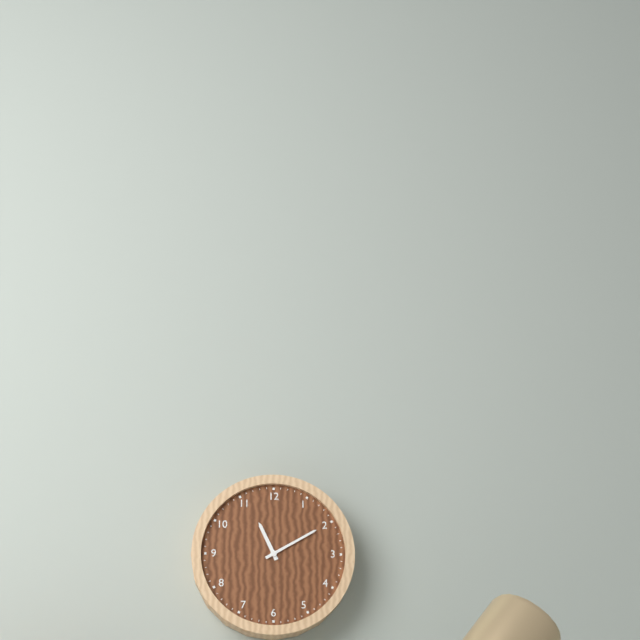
11 h 10 min
